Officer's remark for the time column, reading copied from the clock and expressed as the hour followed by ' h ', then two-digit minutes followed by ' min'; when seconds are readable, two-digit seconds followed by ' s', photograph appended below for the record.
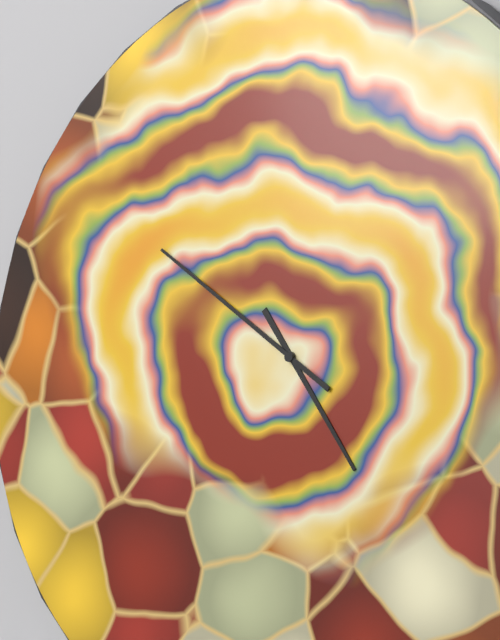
4 h 51 min
